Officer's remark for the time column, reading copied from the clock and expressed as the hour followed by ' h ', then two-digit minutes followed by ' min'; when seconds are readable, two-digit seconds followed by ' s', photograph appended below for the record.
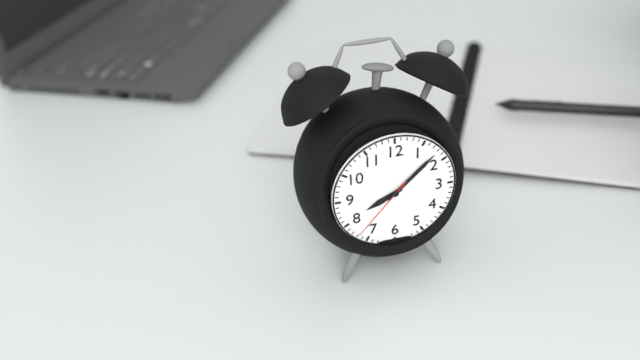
8 h 08 min 37 s
